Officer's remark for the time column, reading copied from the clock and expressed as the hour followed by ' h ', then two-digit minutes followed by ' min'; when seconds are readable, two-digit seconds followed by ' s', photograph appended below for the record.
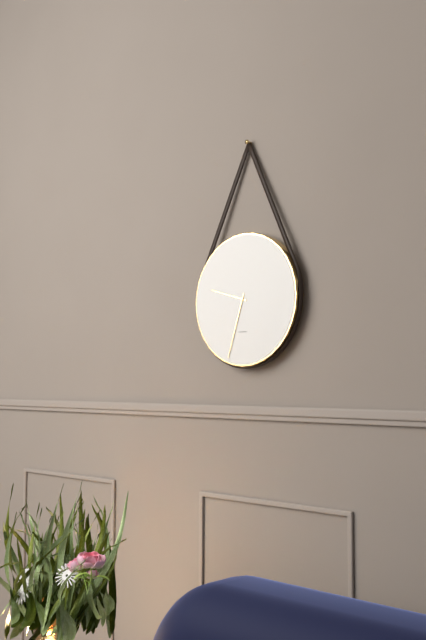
9 h 33 min
